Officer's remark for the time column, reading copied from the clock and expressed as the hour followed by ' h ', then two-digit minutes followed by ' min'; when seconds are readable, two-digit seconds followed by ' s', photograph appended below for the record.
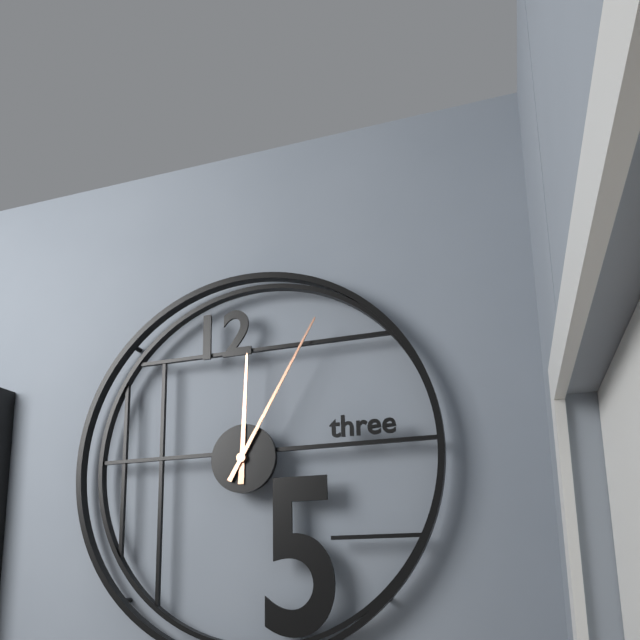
12 h 05 min
